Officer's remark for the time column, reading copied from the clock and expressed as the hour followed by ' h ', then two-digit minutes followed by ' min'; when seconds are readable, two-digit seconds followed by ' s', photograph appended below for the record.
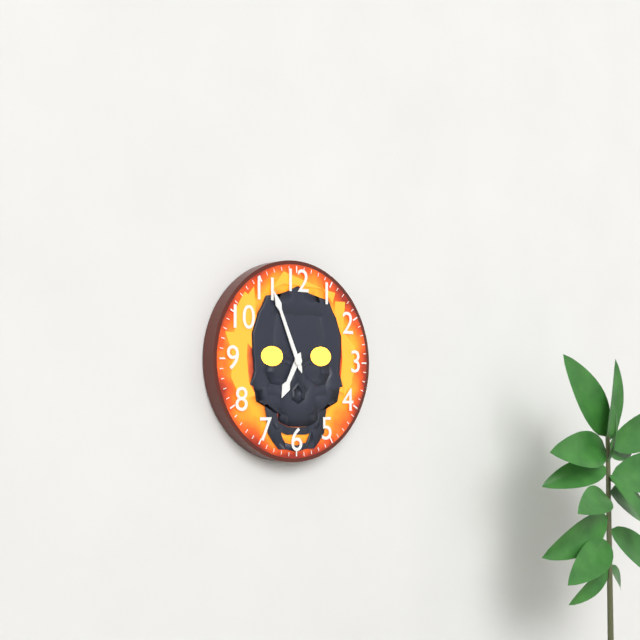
6 h 56 min
